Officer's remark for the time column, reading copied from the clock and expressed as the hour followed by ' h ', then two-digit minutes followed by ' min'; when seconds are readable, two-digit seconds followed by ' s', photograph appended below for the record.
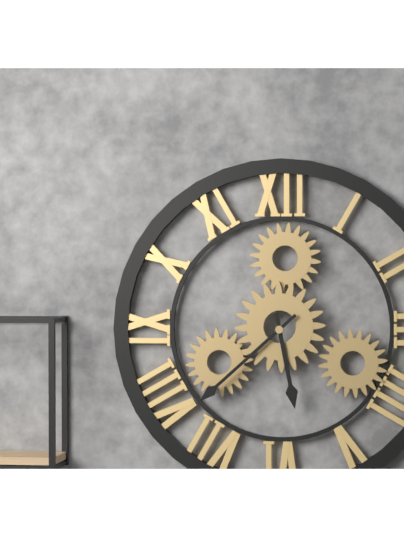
5 h 38 min
